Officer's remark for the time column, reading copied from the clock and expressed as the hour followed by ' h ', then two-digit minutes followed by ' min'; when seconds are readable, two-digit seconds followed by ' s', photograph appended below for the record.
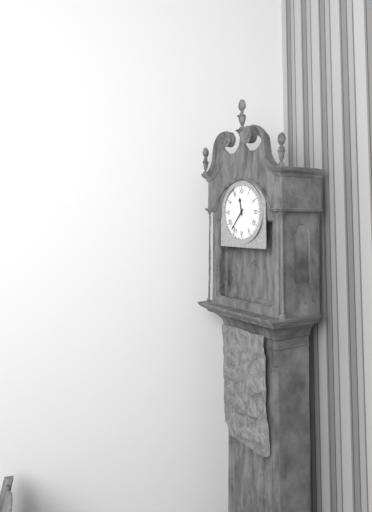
11 h 37 min
